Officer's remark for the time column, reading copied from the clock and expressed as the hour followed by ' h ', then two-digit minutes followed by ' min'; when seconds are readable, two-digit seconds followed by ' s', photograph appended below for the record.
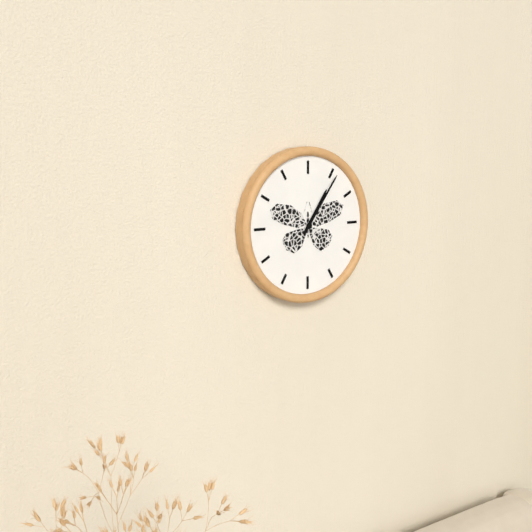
1 h 06 min
